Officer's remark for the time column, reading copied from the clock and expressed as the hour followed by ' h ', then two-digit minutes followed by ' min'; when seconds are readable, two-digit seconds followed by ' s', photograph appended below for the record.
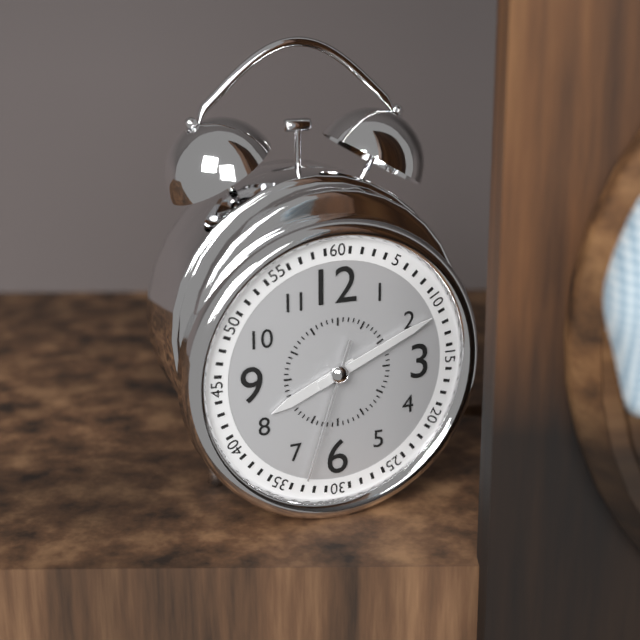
8 h 11 min 33 s
